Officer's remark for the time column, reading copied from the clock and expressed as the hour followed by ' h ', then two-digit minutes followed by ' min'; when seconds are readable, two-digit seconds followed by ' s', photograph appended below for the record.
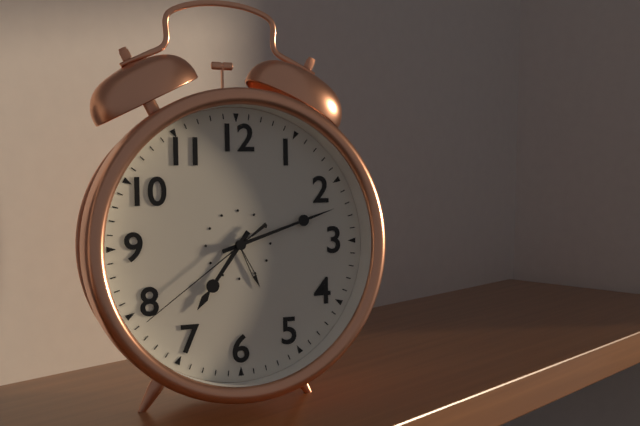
7 h 12 min 39 s
